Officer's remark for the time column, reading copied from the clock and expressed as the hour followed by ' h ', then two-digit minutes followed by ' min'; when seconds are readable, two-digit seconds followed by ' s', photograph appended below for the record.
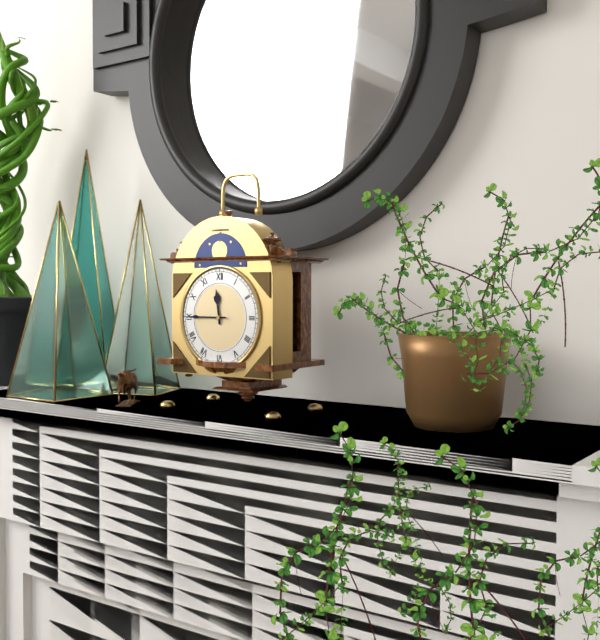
11 h 45 min
